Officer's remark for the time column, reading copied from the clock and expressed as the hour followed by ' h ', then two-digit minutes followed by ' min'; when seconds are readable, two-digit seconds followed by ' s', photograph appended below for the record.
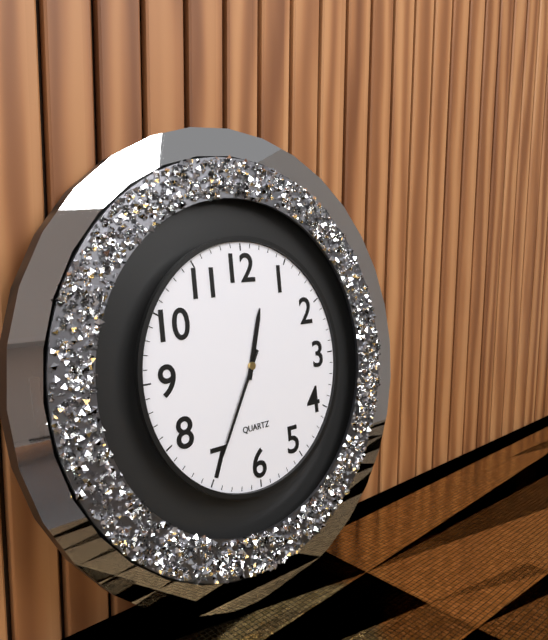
12 h 35 min
